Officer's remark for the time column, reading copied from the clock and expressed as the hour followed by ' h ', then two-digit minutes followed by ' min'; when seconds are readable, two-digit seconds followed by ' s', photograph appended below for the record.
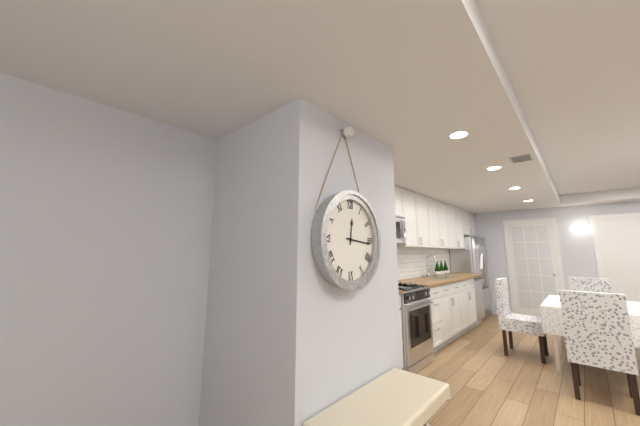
12 h 16 min
